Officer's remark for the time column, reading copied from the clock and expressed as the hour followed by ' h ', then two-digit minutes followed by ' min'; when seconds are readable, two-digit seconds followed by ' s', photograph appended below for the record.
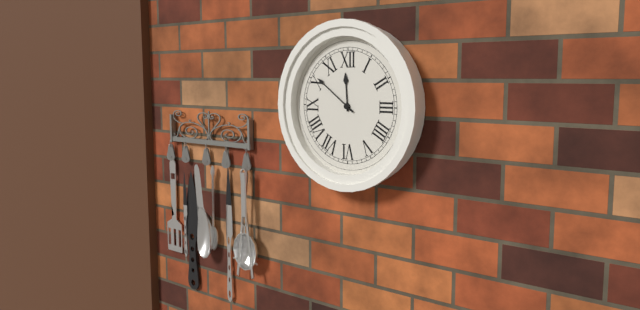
11 h 51 min
